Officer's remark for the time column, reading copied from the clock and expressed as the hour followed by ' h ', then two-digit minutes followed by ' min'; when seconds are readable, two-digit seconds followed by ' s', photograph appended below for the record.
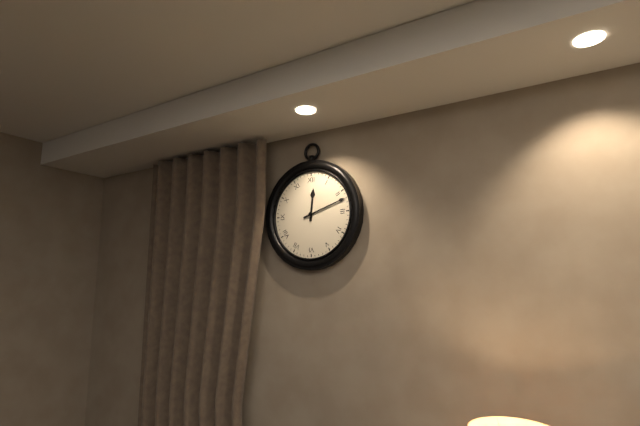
12 h 12 min
